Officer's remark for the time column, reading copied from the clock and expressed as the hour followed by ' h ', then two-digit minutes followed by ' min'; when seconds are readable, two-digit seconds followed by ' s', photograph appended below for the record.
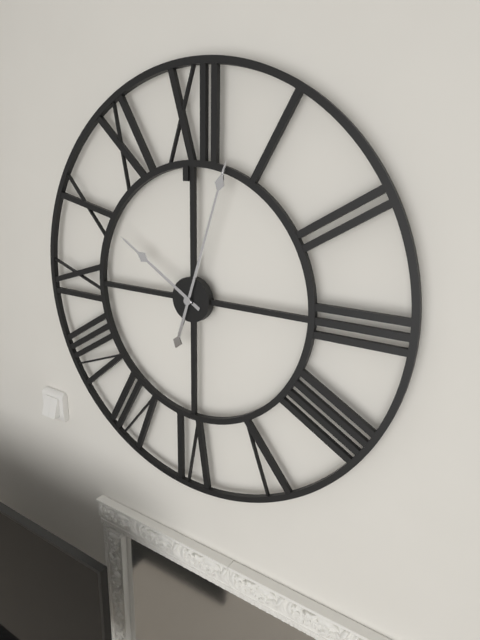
10 h 03 min
